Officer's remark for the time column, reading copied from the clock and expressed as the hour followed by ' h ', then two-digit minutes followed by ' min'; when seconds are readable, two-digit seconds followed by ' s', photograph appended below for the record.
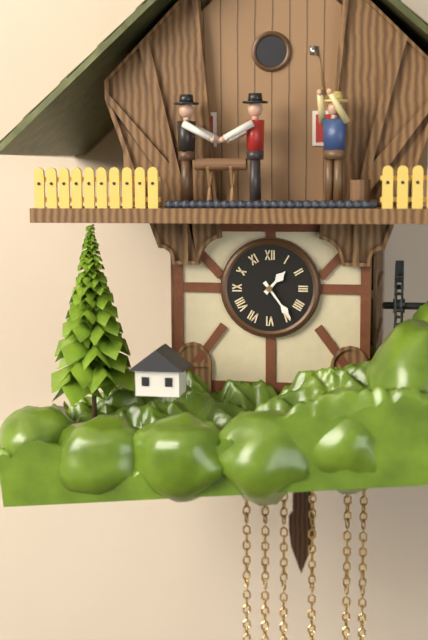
1 h 24 min
